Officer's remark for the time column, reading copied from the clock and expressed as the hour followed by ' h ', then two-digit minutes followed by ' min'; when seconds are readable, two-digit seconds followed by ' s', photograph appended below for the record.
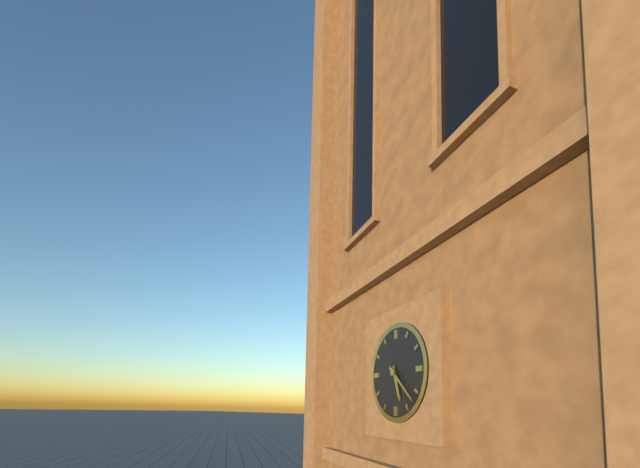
5 h 22 min
